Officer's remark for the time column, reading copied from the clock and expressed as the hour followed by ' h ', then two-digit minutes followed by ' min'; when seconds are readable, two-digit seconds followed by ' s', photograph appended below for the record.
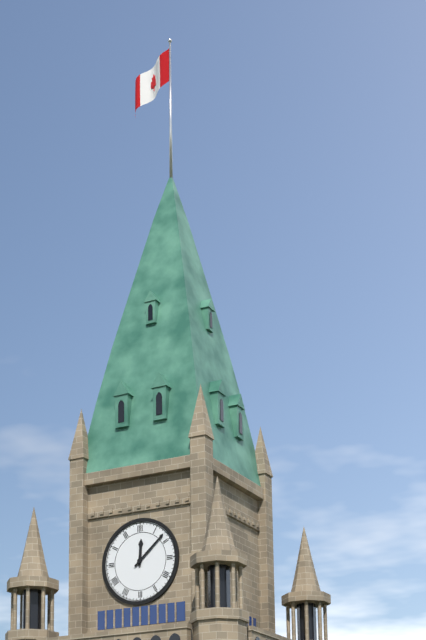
12 h 08 min
